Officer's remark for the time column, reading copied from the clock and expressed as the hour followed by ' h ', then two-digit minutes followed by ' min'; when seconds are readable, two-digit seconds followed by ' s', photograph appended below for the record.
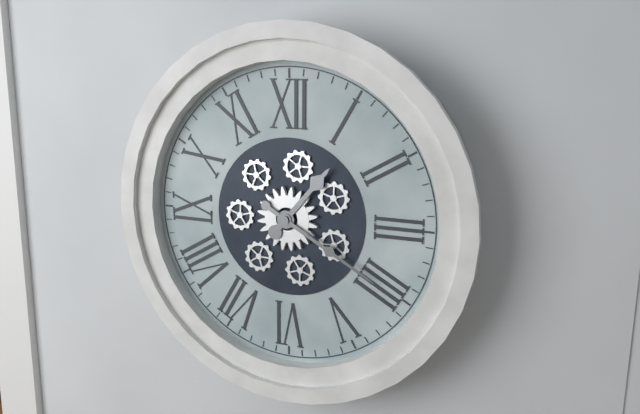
1 h 20 min
